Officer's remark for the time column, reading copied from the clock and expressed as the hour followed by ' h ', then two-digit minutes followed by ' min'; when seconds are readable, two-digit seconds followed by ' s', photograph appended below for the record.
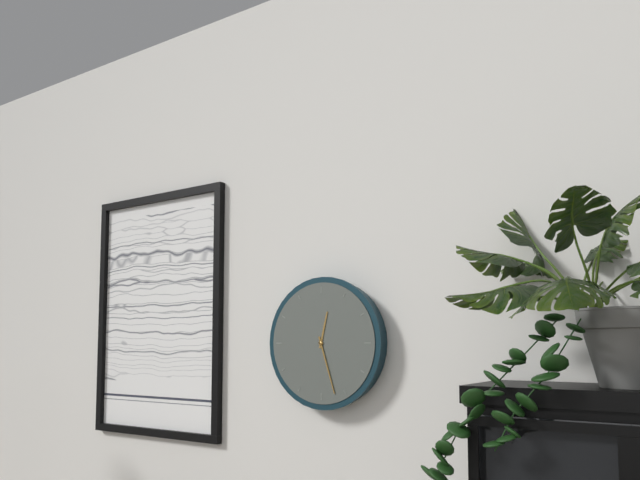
12 h 27 min
